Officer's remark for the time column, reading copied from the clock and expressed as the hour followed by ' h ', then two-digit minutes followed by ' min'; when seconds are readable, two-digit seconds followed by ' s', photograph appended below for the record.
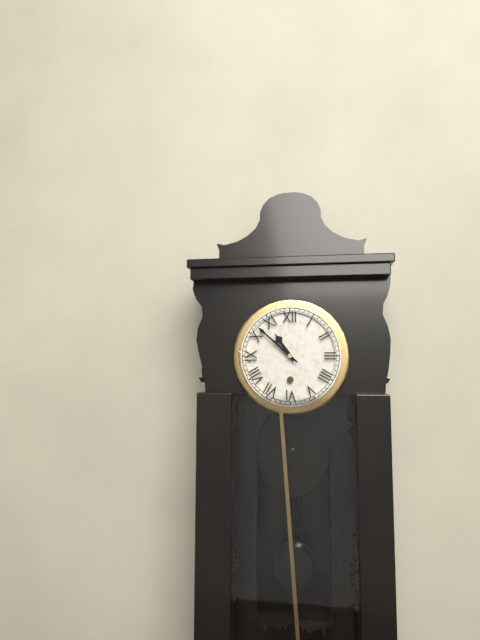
10 h 52 min
